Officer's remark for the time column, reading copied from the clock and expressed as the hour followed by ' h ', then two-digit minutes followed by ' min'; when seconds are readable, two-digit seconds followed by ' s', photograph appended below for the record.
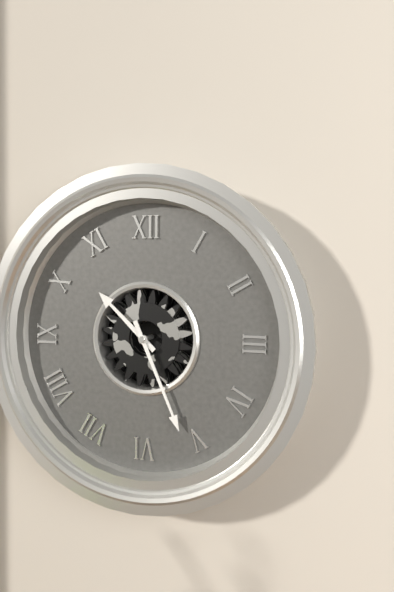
10 h 26 min
